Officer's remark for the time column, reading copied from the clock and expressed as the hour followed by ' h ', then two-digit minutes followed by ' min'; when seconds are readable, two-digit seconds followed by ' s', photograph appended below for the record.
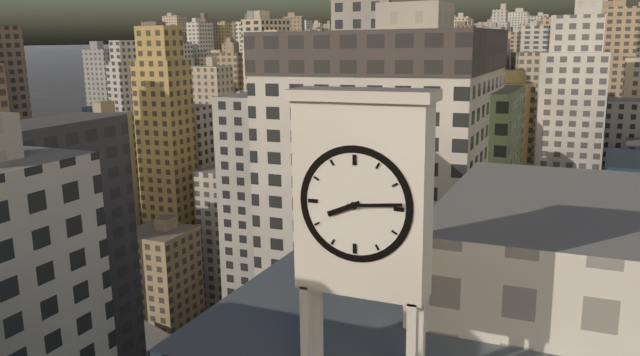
8 h 14 min
